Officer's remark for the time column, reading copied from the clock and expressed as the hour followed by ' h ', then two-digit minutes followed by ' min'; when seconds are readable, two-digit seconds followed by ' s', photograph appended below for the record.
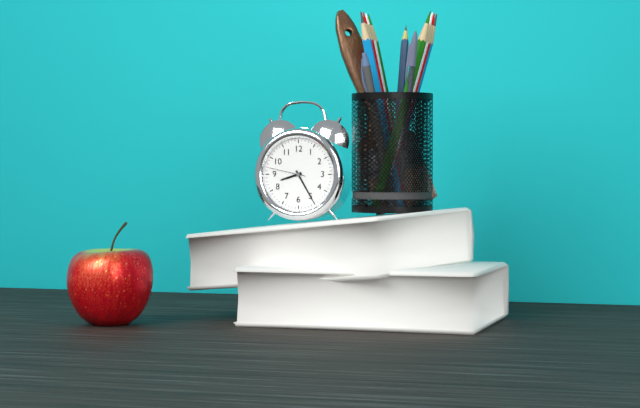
8 h 25 min
